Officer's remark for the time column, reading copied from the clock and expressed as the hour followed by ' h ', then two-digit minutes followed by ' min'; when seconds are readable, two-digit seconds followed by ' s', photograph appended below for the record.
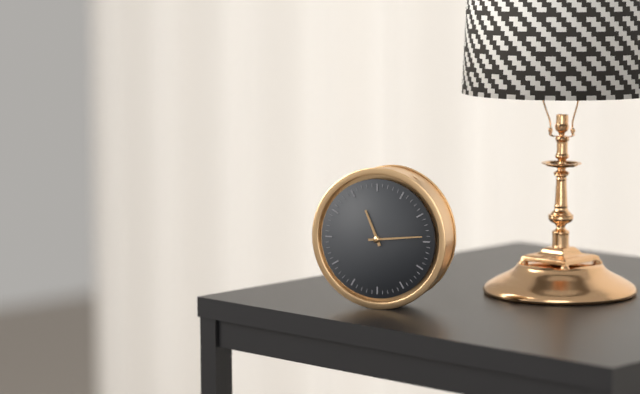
11 h 14 min
